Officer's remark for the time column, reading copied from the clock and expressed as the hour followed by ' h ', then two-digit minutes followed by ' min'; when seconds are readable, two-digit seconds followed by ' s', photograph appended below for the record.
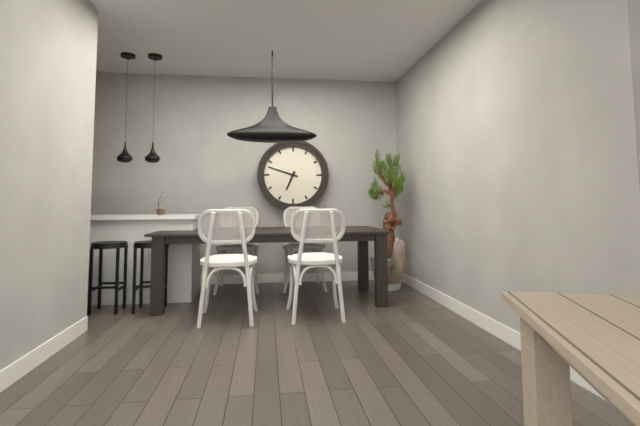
6 h 48 min
